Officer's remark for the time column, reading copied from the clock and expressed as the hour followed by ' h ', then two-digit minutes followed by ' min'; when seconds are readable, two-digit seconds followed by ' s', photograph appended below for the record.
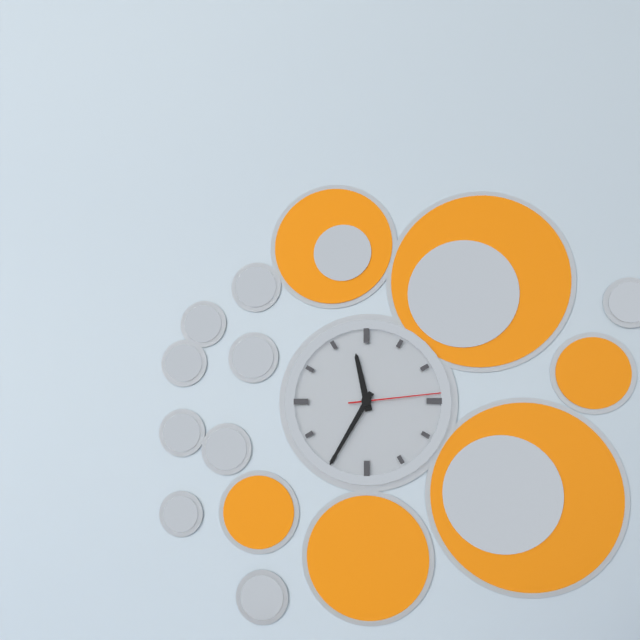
11 h 35 min 14 s
